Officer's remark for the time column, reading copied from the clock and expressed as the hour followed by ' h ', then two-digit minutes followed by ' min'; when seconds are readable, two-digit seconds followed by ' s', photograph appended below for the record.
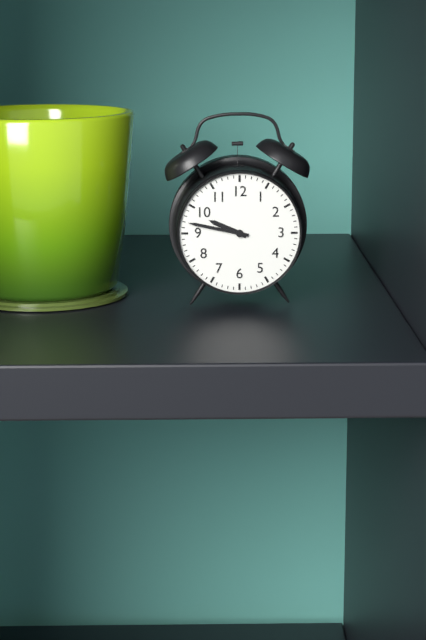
9 h 47 min
